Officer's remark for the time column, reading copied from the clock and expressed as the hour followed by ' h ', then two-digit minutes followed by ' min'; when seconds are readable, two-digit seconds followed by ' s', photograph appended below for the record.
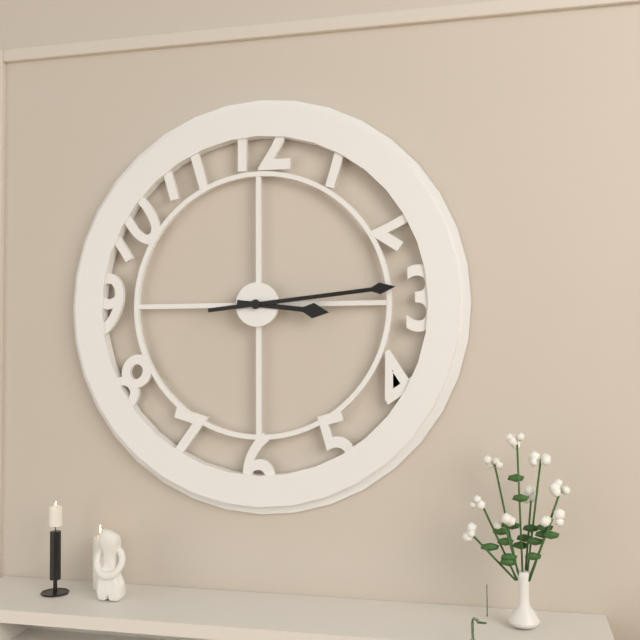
3 h 14 min
